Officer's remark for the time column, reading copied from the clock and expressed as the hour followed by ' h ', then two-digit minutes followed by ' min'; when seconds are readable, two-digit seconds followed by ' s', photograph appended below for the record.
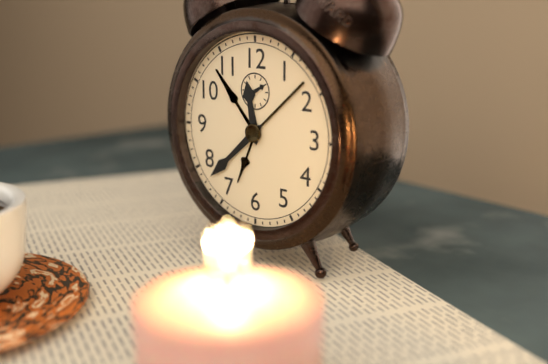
11 h 38 min
